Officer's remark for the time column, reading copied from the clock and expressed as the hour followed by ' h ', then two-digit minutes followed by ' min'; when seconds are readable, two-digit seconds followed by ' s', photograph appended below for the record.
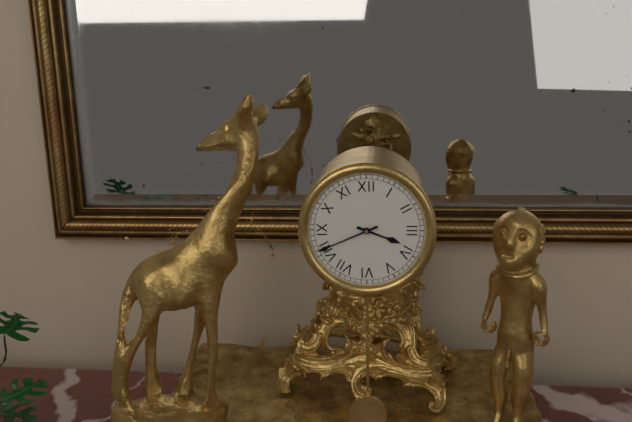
3 h 41 min
